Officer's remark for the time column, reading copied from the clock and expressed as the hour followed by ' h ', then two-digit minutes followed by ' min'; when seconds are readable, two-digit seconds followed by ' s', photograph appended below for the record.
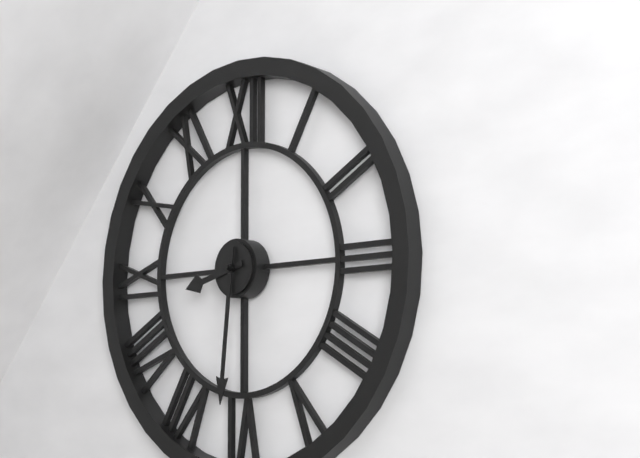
8 h 31 min
